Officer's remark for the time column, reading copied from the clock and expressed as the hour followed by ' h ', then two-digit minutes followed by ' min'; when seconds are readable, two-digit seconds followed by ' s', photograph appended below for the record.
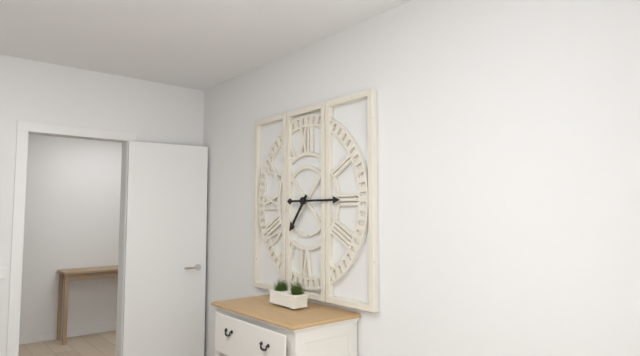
7 h 15 min
